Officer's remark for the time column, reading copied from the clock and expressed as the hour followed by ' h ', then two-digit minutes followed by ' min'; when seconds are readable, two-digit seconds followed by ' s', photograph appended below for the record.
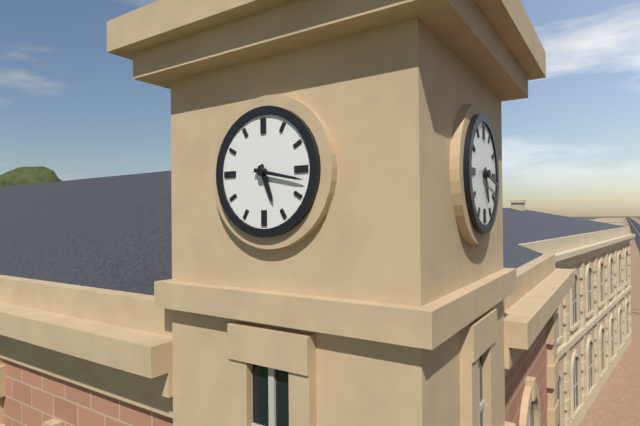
5 h 17 min
